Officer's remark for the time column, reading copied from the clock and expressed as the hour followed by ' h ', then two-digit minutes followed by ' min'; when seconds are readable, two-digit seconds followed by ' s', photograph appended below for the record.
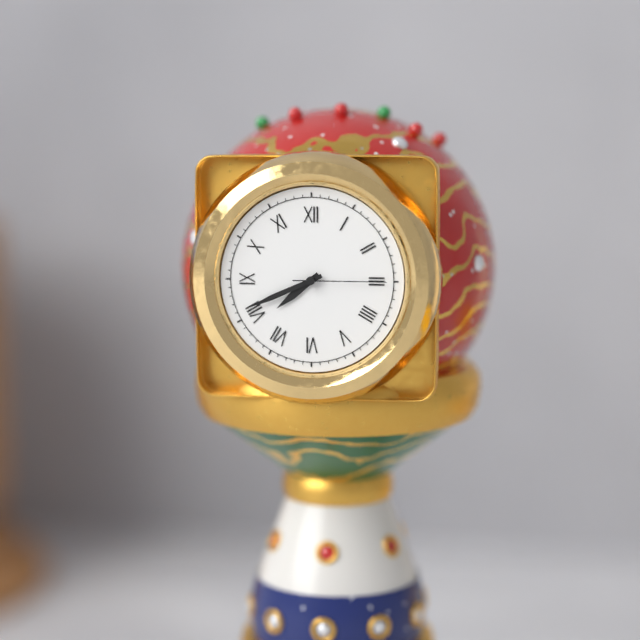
7 h 41 min 15 s
